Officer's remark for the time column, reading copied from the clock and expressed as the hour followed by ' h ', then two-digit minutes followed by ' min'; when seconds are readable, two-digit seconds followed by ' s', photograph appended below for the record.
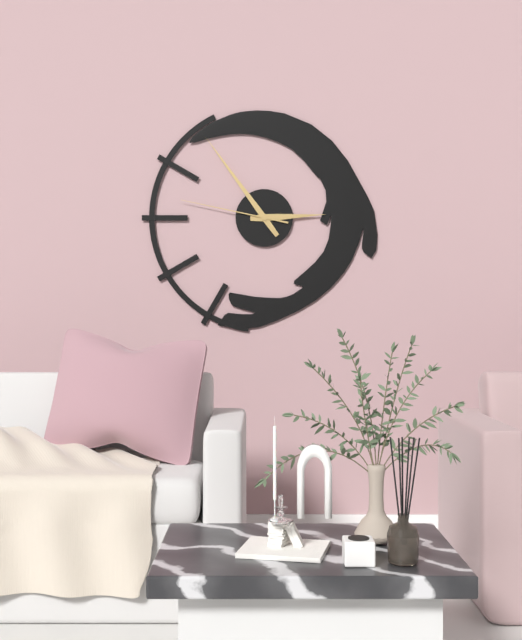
2 h 54 min 47 s
